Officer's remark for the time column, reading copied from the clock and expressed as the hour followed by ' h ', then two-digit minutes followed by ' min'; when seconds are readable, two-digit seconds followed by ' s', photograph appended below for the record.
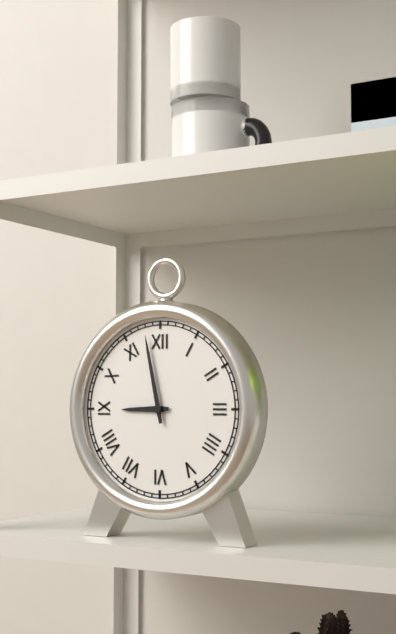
8 h 58 min
